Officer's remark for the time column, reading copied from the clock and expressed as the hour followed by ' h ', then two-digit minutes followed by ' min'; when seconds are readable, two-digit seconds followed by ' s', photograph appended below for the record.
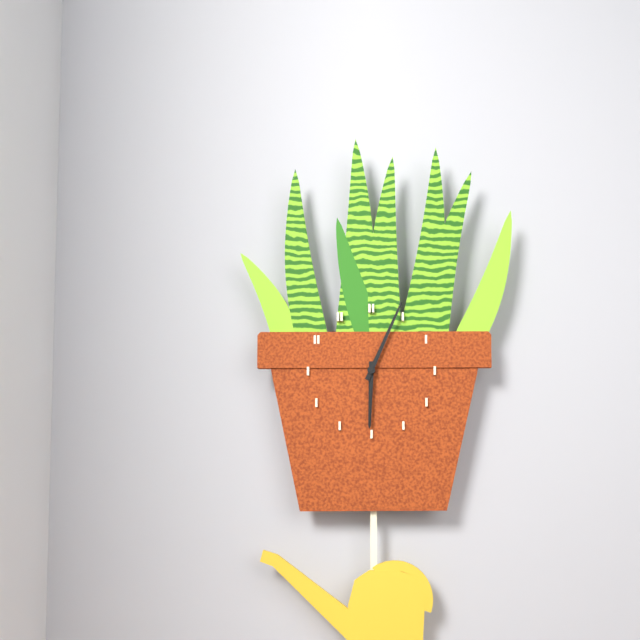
6 h 04 min
